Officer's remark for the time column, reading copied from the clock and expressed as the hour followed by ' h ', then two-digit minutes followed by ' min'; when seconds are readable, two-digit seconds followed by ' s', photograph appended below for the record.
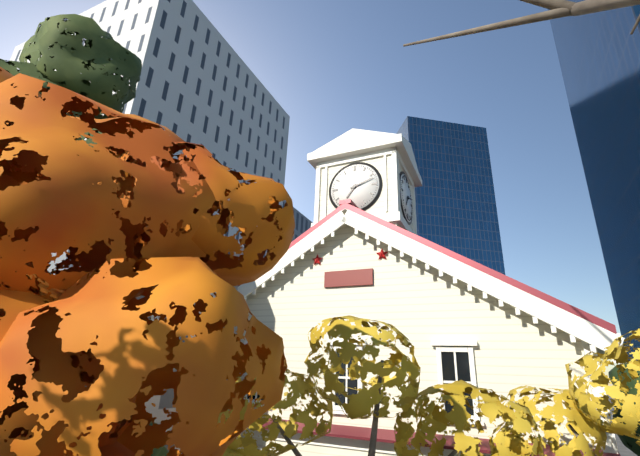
7 h 12 min
